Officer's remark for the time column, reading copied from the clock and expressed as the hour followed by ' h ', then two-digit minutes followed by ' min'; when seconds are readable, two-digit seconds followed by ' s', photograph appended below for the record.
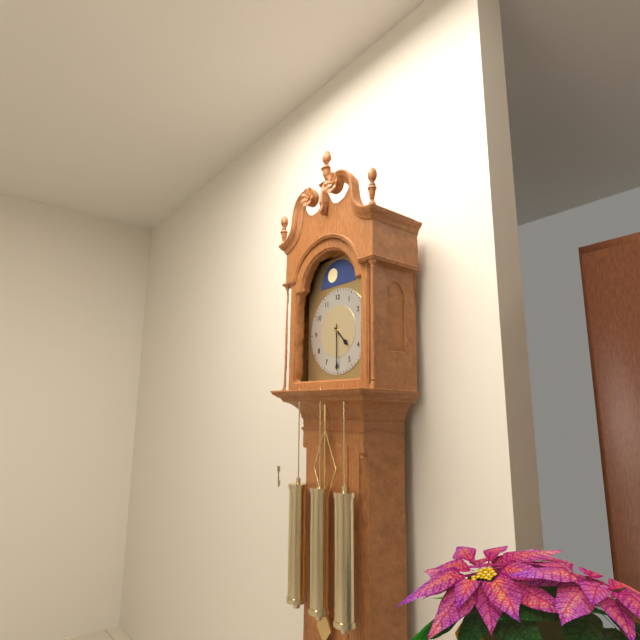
4 h 30 min
